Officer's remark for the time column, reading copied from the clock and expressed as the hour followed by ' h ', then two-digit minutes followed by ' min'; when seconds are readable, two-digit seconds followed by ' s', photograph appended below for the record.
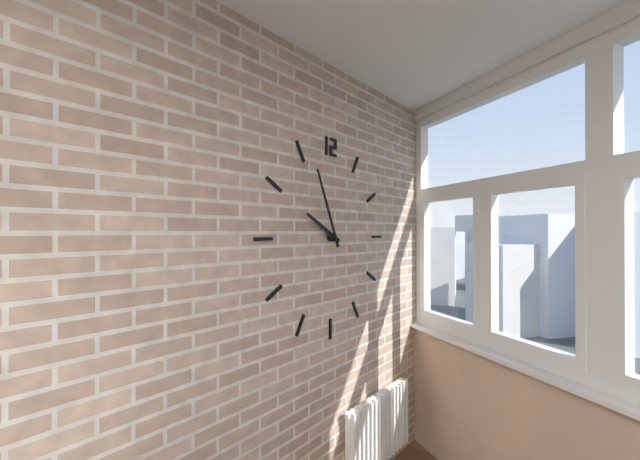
9 h 56 min
